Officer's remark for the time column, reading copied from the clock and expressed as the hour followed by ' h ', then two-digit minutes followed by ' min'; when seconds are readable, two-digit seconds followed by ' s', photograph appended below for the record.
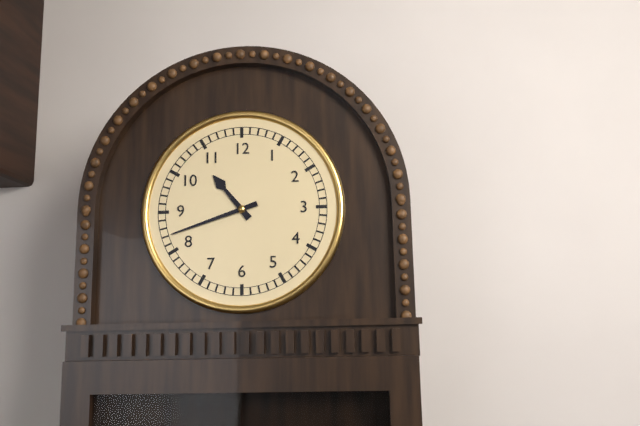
10 h 42 min
